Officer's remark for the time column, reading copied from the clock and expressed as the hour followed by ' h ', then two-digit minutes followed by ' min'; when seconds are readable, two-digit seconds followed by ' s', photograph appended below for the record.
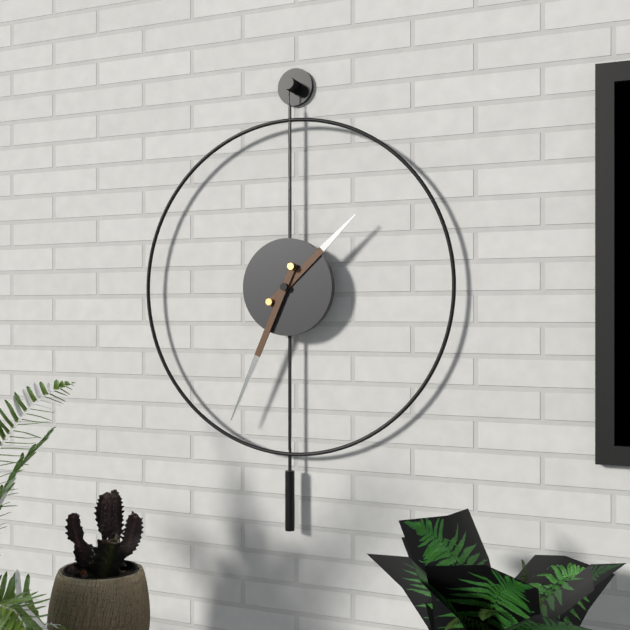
1 h 34 min
